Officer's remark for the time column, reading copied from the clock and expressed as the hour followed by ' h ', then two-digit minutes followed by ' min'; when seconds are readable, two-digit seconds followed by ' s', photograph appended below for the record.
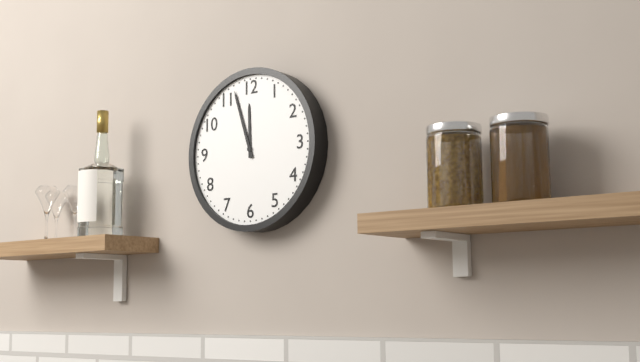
11 h 57 min
